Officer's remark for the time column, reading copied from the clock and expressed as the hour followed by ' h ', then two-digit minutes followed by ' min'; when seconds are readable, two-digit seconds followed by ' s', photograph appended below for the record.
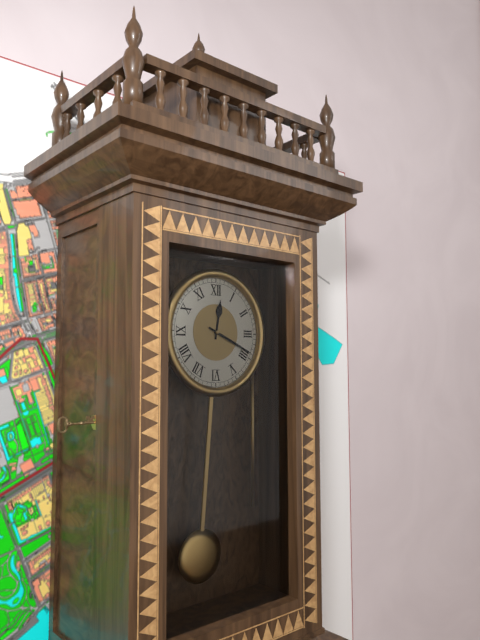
12 h 19 min
